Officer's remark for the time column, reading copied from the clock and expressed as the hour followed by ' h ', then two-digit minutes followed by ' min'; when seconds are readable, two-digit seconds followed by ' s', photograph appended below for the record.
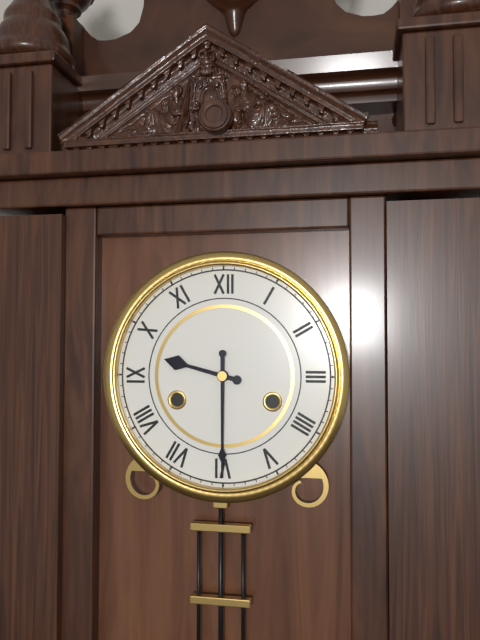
9 h 30 min
